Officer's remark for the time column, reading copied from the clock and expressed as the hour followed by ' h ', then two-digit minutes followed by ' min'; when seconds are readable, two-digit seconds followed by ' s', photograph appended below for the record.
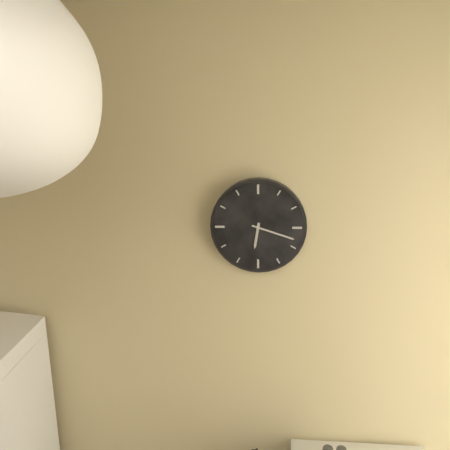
6 h 18 min
